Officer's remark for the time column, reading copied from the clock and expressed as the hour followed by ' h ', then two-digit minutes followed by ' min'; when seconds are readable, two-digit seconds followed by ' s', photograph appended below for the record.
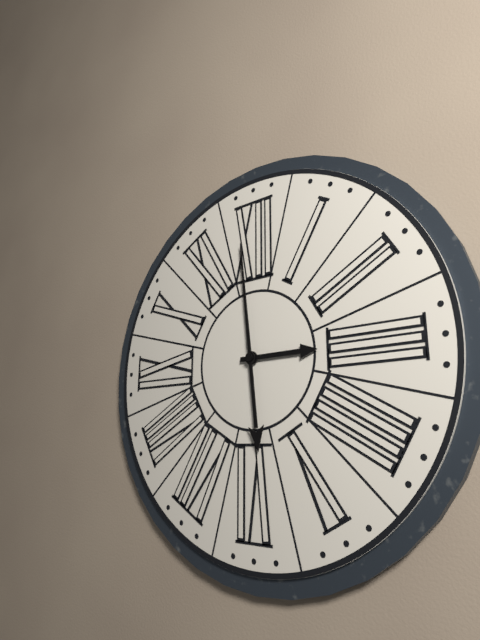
2 h 59 min
